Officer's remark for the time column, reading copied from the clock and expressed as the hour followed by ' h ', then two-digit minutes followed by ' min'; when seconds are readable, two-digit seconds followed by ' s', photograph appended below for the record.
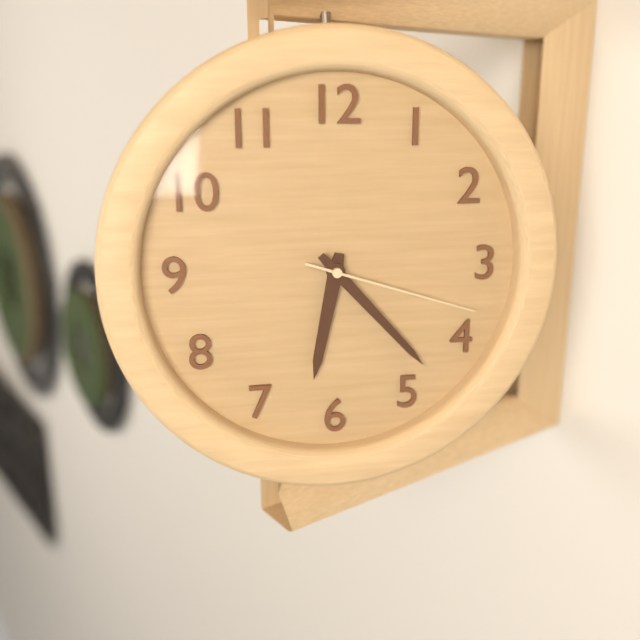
6 h 23 min 18 s
